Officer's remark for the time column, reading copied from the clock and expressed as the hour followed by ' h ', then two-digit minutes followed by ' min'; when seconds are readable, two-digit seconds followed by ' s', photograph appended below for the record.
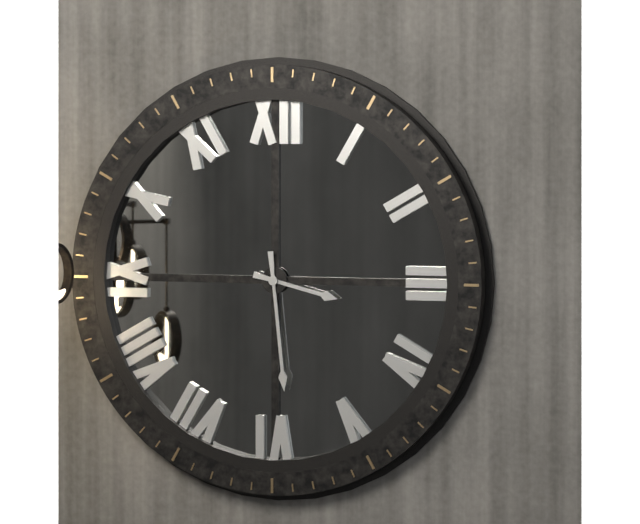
3 h 29 min
